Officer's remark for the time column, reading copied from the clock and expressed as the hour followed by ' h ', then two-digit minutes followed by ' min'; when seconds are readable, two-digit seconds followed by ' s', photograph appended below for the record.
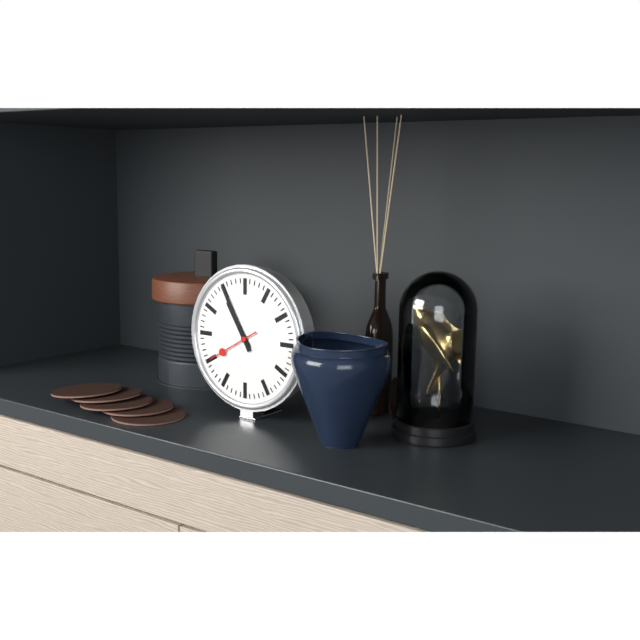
10 h 55 min 40 s
